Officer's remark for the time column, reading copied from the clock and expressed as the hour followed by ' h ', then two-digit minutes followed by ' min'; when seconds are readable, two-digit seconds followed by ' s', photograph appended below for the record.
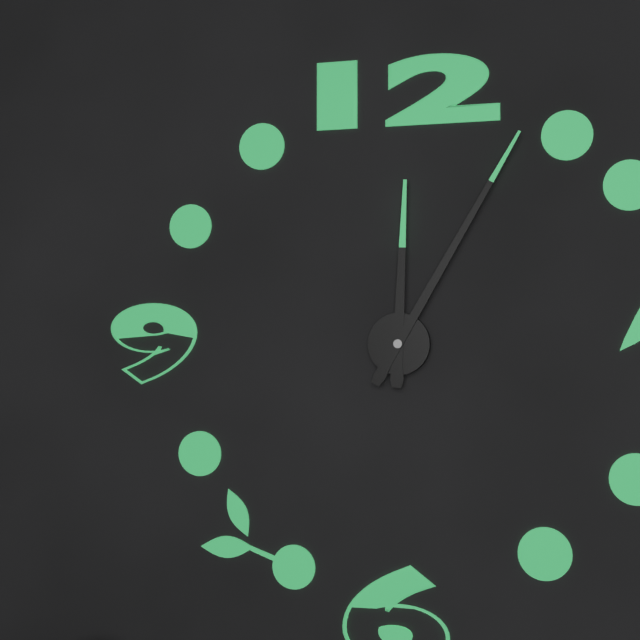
12 h 05 min
